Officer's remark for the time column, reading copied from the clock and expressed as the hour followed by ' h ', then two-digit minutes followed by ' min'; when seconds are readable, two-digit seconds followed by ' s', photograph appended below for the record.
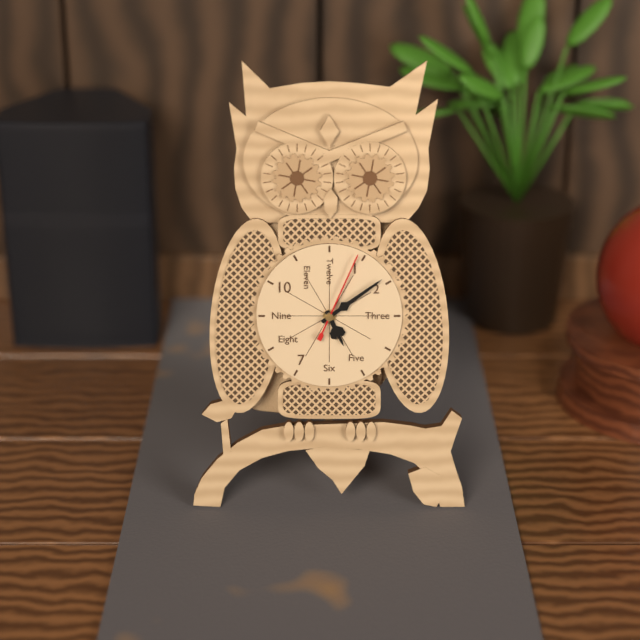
5 h 09 min 04 s
